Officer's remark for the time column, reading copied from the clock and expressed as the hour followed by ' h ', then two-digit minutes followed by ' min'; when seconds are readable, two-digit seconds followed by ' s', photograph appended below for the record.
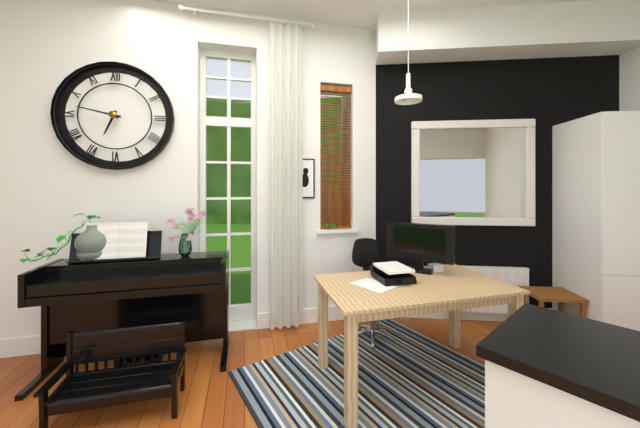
6 h 47 min
